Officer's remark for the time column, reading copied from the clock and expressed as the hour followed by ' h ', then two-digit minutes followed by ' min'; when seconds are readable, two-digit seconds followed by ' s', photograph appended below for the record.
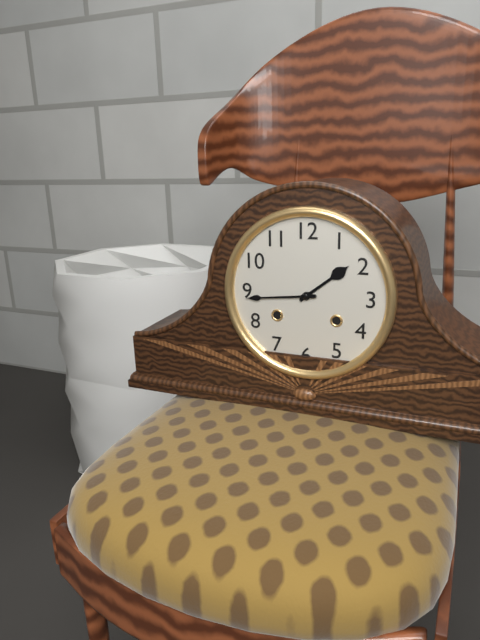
1 h 44 min
